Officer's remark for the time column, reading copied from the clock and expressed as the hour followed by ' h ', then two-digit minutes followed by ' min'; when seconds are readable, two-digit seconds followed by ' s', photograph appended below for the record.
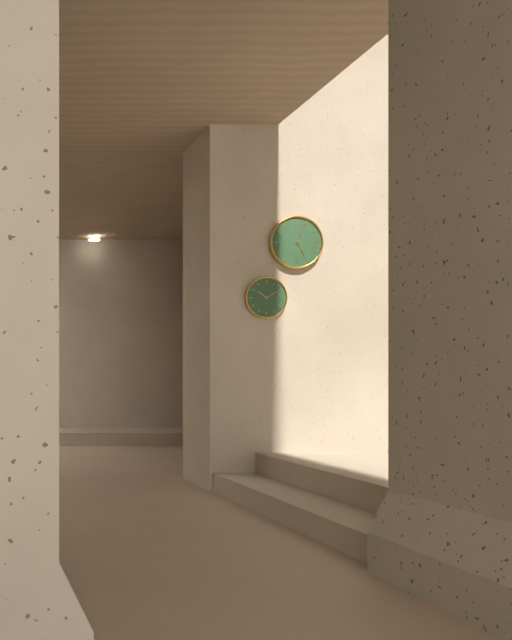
5 h 04 min
